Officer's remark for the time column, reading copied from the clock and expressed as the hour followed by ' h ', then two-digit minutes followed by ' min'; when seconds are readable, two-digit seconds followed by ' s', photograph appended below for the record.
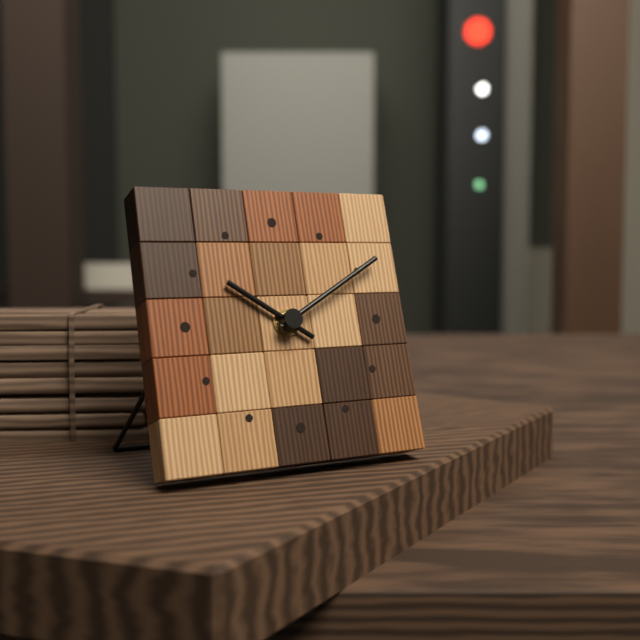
10 h 10 min
